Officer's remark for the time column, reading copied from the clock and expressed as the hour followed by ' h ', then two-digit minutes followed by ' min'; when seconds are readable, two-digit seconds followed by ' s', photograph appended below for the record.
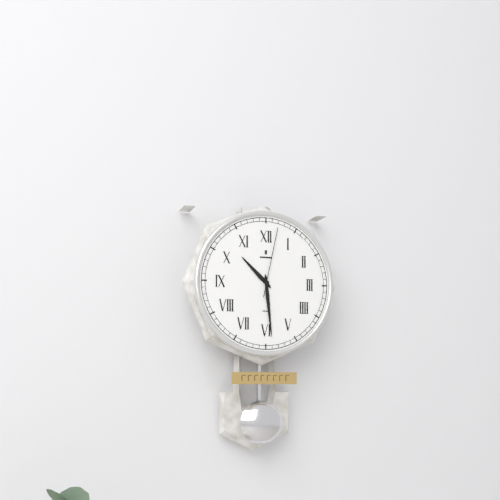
10 h 29 min 02 s
